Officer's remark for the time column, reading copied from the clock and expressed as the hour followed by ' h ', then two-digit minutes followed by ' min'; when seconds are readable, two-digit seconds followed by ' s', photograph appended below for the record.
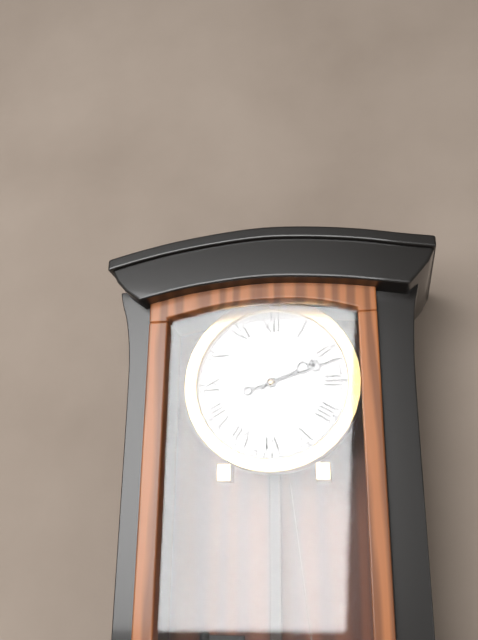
2 h 12 min
